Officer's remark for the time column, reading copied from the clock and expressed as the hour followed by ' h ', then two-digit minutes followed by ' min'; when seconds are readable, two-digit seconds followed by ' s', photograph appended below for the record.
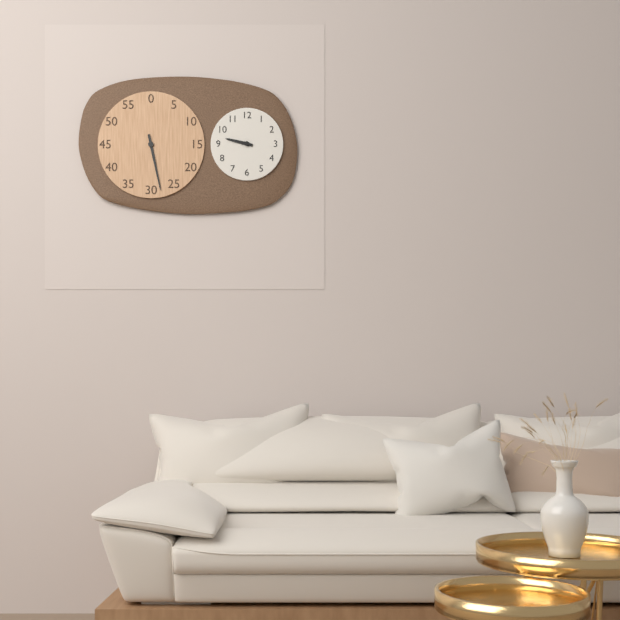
9 h 28 min
